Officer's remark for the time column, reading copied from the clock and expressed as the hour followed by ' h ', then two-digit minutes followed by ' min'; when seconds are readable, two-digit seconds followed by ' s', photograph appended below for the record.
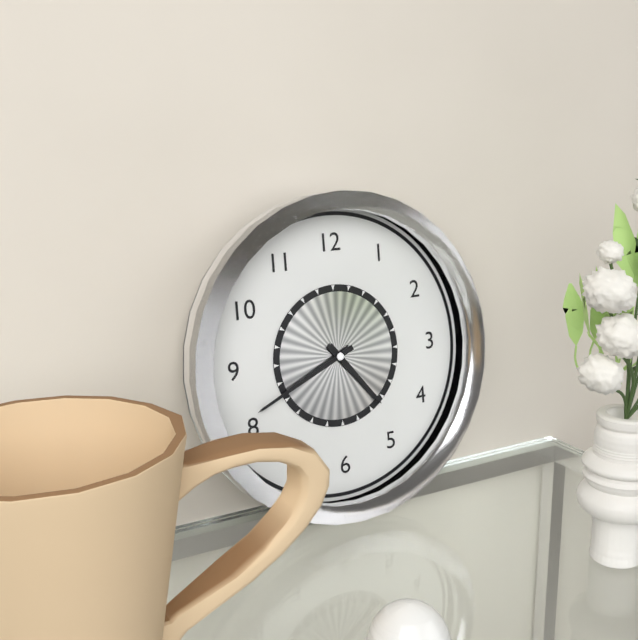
4 h 41 min
